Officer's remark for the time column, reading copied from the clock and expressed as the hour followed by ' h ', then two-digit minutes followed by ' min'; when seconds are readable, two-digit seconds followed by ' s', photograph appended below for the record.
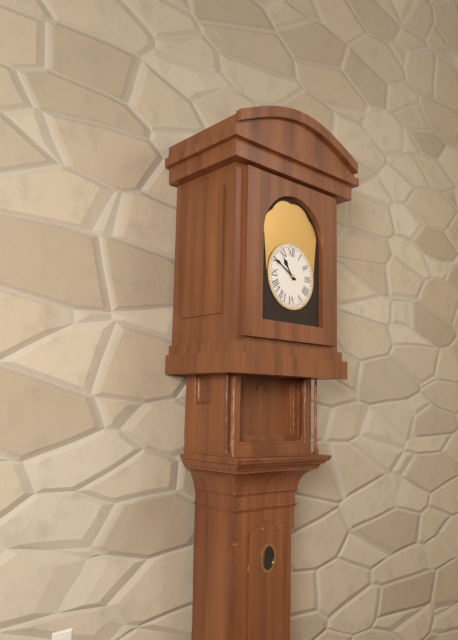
10 h 50 min
